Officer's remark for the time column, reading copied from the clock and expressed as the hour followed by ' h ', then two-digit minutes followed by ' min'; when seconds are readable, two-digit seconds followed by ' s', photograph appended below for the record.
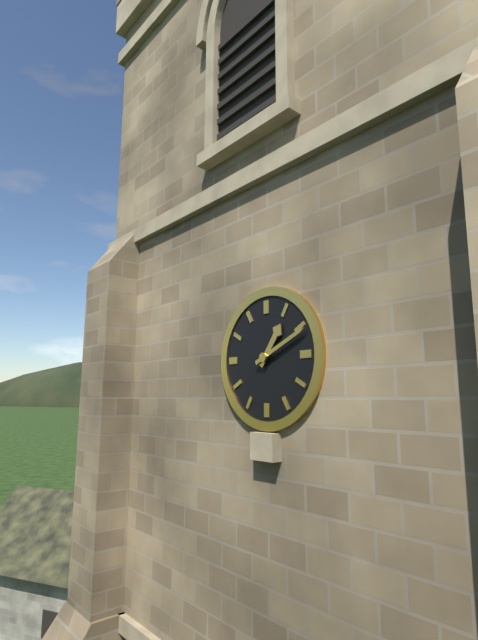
1 h 11 min
